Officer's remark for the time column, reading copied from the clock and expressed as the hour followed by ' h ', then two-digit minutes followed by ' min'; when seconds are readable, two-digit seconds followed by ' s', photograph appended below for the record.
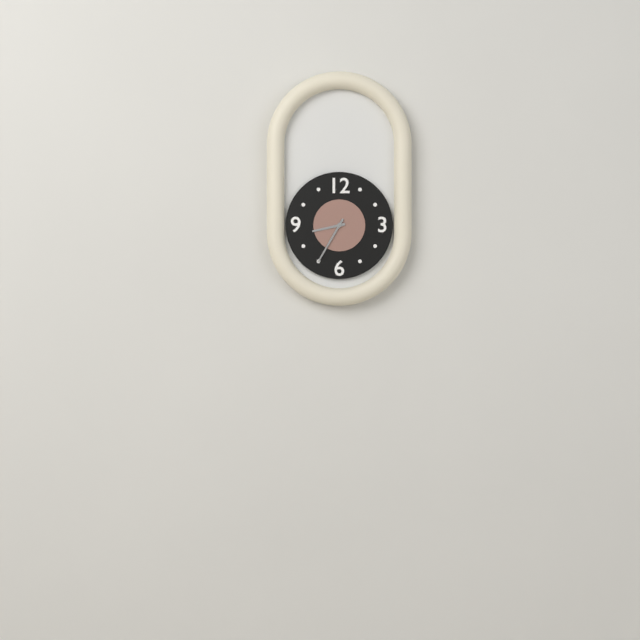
8 h 35 min
